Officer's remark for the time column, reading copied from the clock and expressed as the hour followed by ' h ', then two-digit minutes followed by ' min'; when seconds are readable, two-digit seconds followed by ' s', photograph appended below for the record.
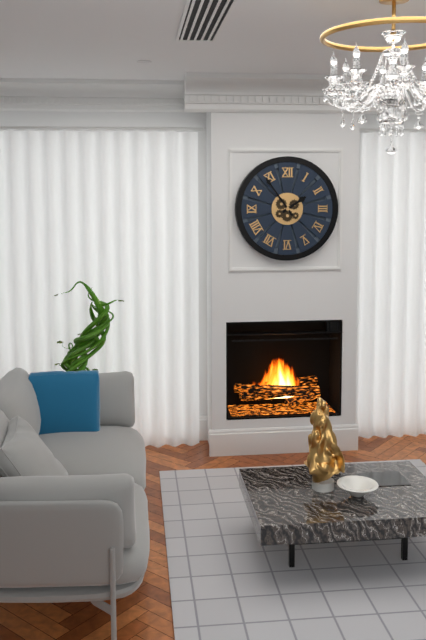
1 h 54 min
